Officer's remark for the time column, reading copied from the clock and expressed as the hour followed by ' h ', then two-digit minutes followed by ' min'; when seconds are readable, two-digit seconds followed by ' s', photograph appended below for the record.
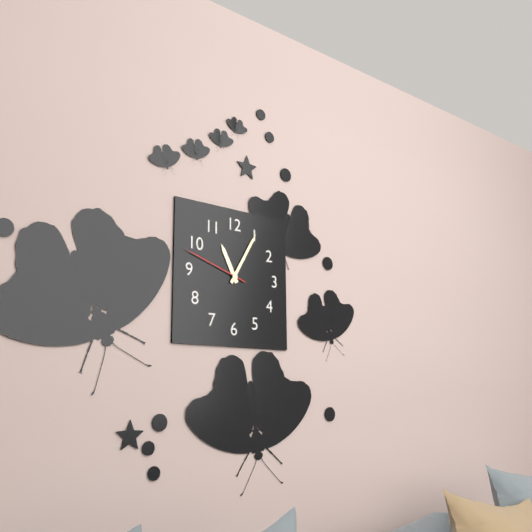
11 h 05 min 48 s
